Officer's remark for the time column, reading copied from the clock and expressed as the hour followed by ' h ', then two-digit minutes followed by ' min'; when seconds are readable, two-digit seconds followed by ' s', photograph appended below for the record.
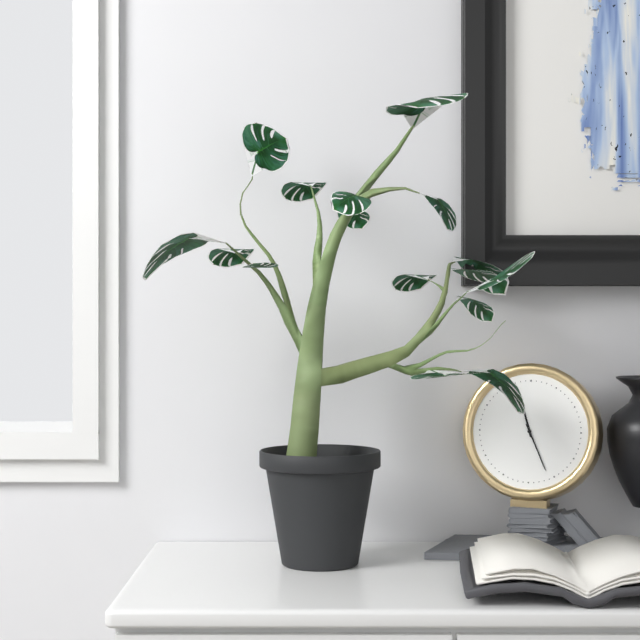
11 h 26 min
